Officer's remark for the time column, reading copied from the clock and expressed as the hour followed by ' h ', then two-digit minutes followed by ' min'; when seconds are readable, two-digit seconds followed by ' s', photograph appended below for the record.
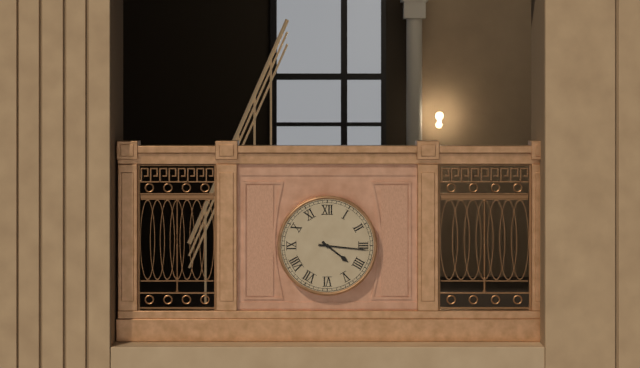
4 h 16 min
